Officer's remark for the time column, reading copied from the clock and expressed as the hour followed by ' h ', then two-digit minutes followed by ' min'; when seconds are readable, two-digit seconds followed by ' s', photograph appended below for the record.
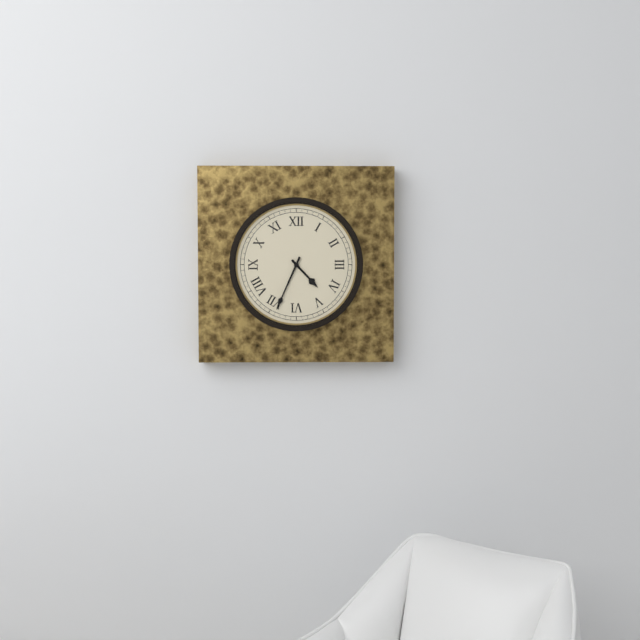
4 h 34 min
